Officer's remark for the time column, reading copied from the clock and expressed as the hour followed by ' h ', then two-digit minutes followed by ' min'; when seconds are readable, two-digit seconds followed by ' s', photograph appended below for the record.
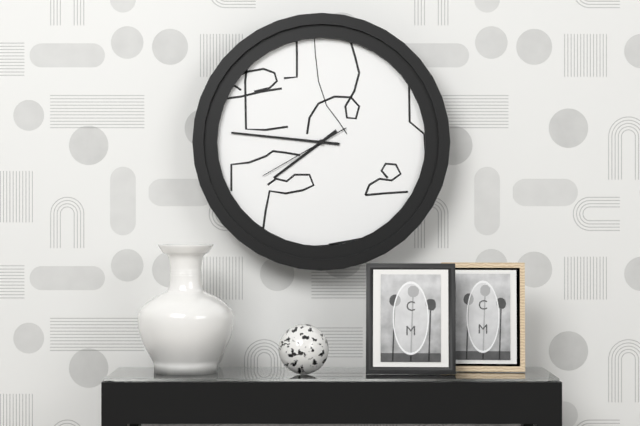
7 h 46 min 40 s
